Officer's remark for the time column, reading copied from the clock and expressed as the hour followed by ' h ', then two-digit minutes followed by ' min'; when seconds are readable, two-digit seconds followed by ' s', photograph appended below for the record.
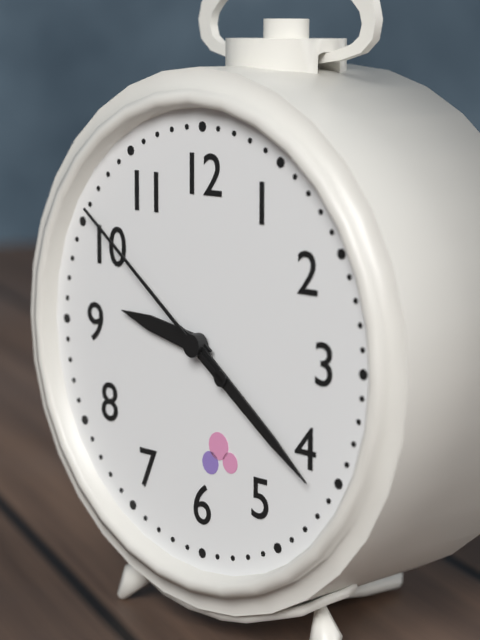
9 h 21 min 51 s
